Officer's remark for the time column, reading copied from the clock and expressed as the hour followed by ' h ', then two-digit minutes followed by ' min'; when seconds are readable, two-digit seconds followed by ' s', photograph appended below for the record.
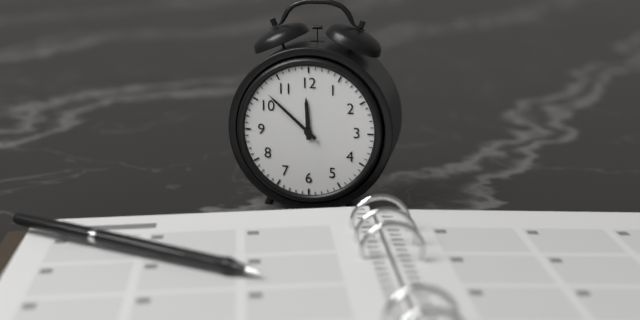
11 h 52 min
